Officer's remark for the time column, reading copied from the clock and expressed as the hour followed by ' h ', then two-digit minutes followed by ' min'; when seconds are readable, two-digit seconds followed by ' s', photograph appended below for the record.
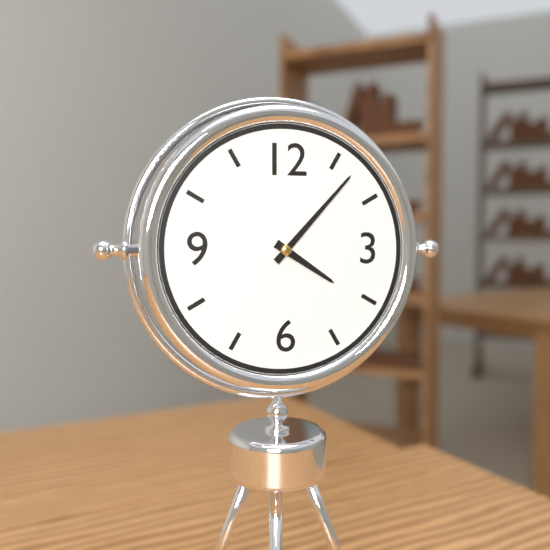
4 h 07 min
